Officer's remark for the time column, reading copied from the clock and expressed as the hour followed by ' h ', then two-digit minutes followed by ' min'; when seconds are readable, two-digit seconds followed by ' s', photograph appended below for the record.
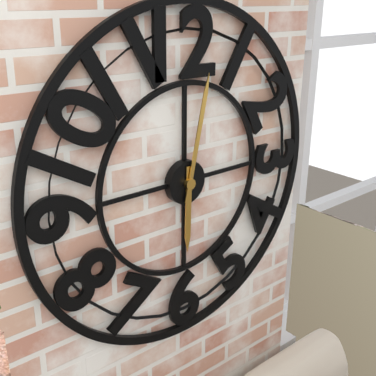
6 h 02 min
